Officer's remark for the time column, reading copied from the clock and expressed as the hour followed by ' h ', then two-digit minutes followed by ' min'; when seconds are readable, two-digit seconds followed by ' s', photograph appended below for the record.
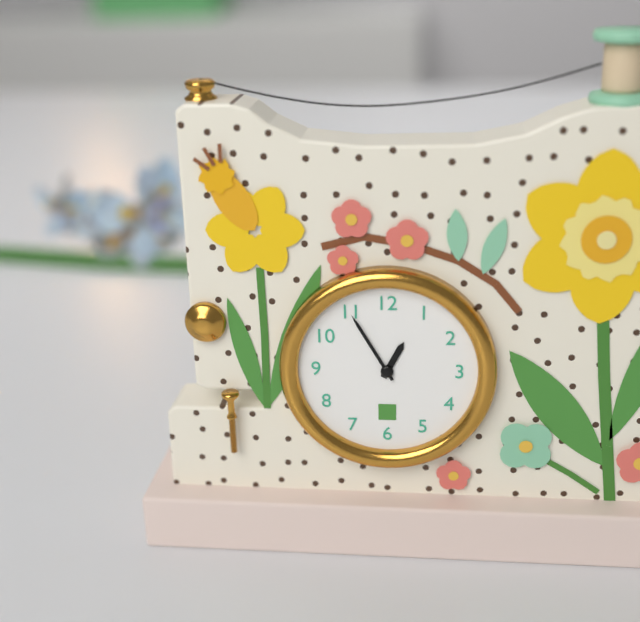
12 h 55 min
